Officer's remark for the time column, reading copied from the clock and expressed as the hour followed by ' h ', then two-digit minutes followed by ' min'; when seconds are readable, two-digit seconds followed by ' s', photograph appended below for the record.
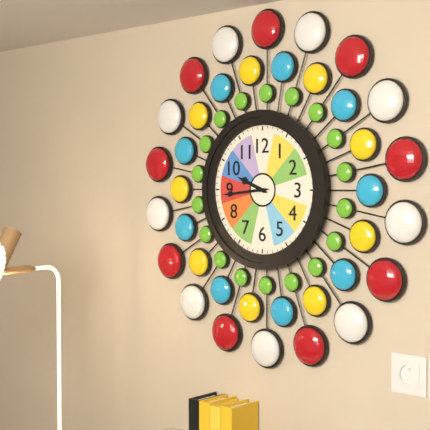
9 h 44 min
